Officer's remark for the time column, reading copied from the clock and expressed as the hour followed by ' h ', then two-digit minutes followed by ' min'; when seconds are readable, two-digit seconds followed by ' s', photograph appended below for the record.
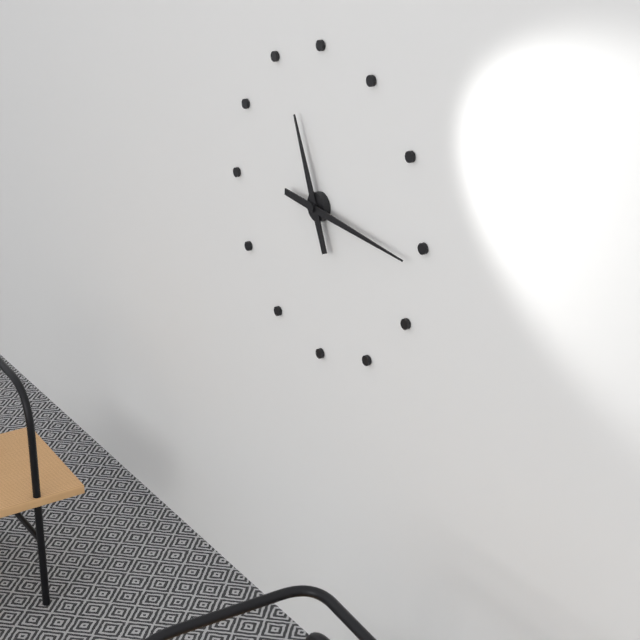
11 h 16 min
